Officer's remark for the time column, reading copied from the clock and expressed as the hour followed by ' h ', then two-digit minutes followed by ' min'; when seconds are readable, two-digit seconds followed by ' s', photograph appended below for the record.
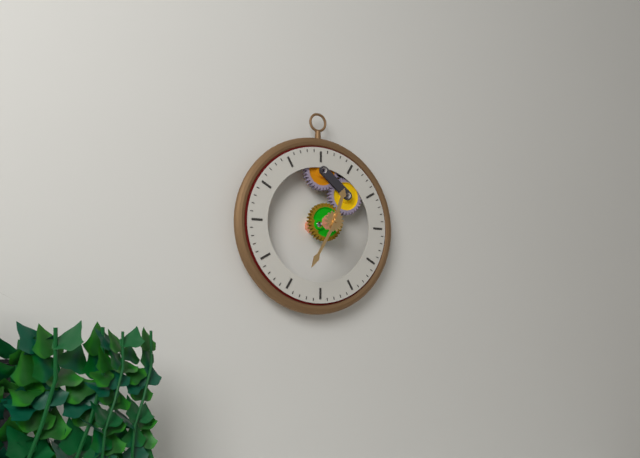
12 h 35 min
